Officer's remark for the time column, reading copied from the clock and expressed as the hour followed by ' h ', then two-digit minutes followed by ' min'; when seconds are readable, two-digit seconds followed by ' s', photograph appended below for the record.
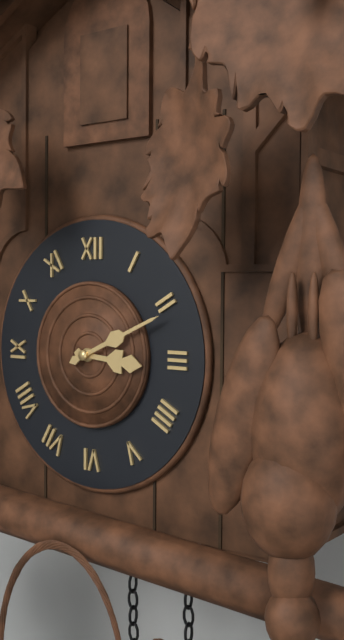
3 h 11 min
